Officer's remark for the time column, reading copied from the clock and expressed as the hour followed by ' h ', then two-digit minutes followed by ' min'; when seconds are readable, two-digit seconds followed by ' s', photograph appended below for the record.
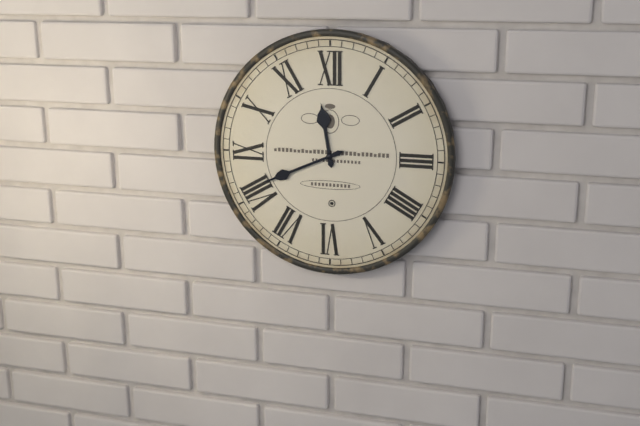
11 h 41 min
